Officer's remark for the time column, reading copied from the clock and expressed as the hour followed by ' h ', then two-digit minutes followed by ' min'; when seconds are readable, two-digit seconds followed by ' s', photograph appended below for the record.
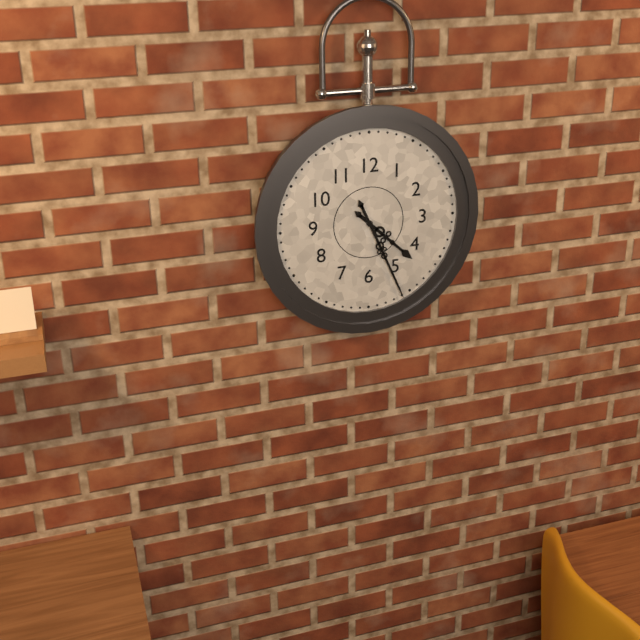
4 h 26 min
